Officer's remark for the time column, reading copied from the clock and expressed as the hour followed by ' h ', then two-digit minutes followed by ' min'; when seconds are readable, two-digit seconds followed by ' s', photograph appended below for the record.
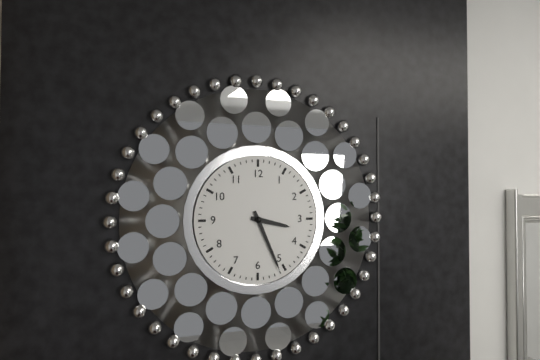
3 h 26 min
